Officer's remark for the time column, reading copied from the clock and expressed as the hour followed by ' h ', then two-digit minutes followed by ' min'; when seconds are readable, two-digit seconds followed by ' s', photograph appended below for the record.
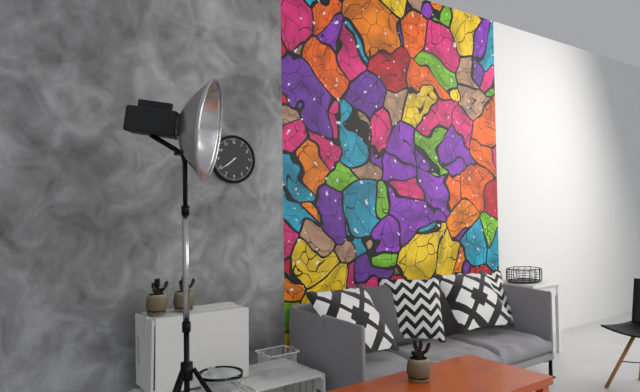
7 h 39 min
